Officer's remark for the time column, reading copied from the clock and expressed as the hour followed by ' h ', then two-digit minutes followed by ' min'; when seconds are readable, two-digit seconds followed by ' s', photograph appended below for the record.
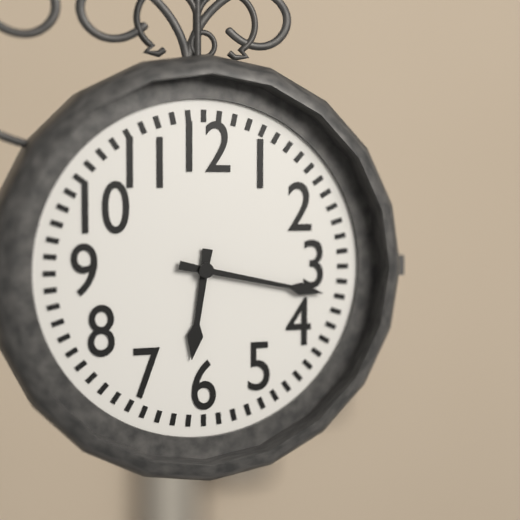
6 h 17 min
